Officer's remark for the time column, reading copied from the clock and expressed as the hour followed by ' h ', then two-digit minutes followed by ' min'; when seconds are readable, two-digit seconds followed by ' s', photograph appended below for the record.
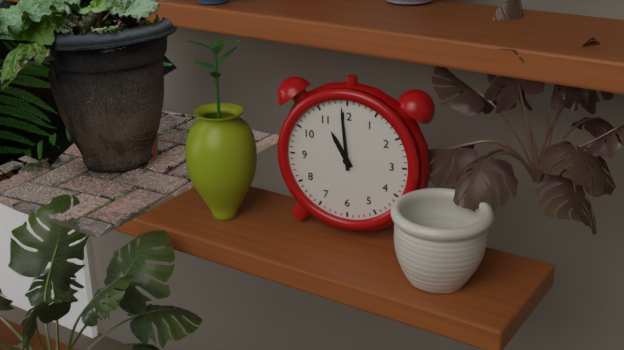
10 h 59 min
